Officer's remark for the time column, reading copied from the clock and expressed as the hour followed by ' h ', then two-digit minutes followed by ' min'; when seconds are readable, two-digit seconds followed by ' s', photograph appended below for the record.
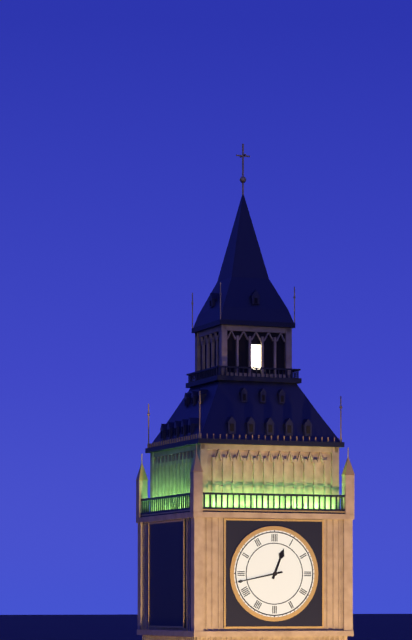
12 h 43 min
